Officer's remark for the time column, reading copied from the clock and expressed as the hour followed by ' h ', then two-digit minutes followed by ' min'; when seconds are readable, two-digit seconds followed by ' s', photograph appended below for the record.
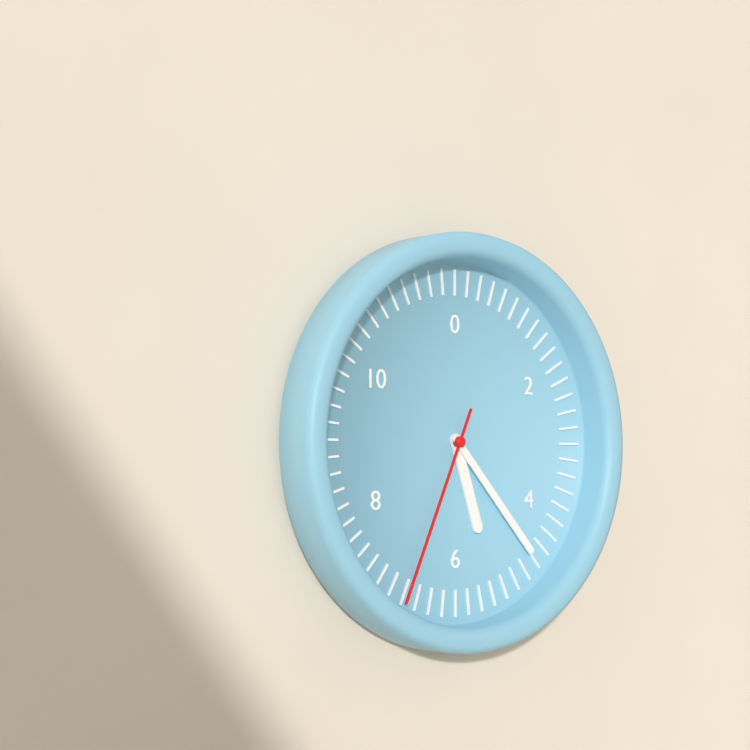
5 h 23 min 34 s
